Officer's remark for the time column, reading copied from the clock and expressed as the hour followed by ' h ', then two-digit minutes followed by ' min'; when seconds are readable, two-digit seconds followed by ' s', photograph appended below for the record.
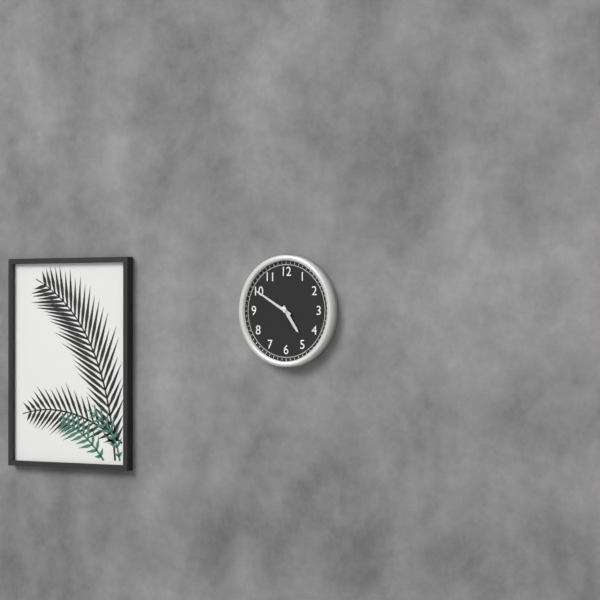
4 h 50 min
